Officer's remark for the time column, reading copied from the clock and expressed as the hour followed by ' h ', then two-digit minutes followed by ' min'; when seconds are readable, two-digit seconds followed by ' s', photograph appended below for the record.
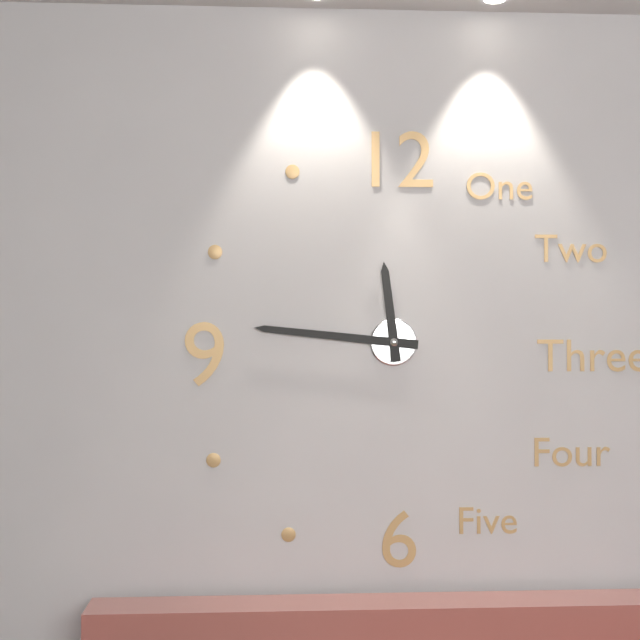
11 h 46 min
